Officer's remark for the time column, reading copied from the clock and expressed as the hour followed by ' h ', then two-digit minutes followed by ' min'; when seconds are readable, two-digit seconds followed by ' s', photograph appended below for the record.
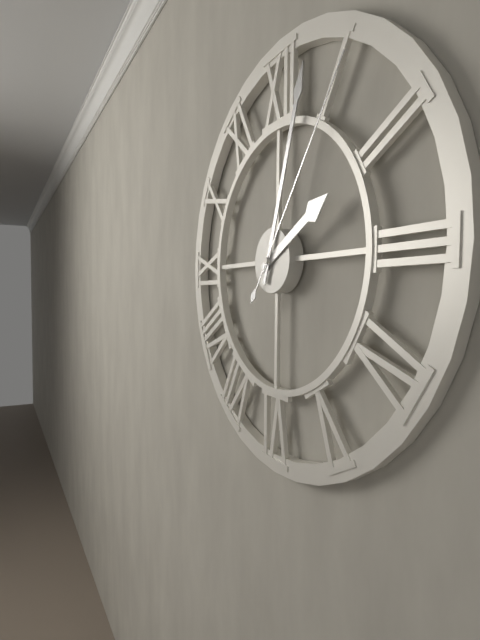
2 h 03 min 06 s
